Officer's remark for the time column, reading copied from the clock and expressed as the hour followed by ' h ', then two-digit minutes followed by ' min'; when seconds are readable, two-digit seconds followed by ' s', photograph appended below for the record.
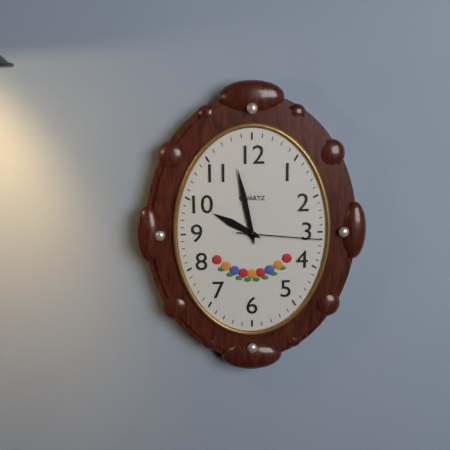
9 h 58 min 16 s
